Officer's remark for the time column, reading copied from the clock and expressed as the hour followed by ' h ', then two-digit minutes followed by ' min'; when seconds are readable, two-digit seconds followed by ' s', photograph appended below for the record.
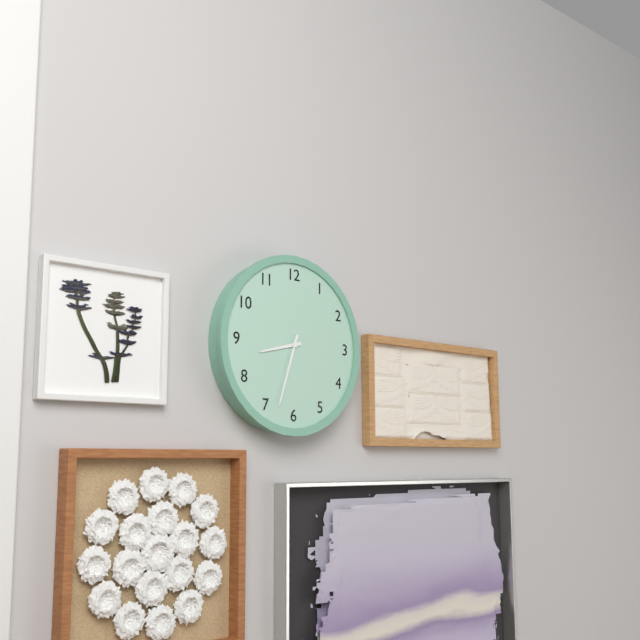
8 h 33 min
